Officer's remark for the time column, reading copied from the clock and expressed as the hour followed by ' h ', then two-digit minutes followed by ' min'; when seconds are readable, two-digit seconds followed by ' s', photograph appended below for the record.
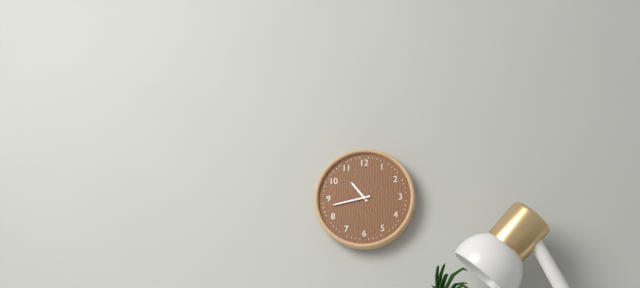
10 h 43 min
